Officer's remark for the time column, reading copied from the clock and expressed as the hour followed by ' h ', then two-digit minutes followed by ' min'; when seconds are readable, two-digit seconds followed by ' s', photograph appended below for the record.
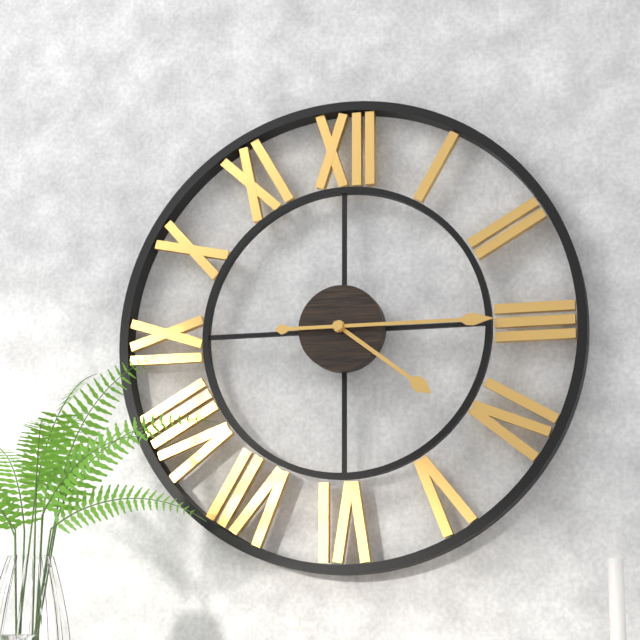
4 h 15 min
